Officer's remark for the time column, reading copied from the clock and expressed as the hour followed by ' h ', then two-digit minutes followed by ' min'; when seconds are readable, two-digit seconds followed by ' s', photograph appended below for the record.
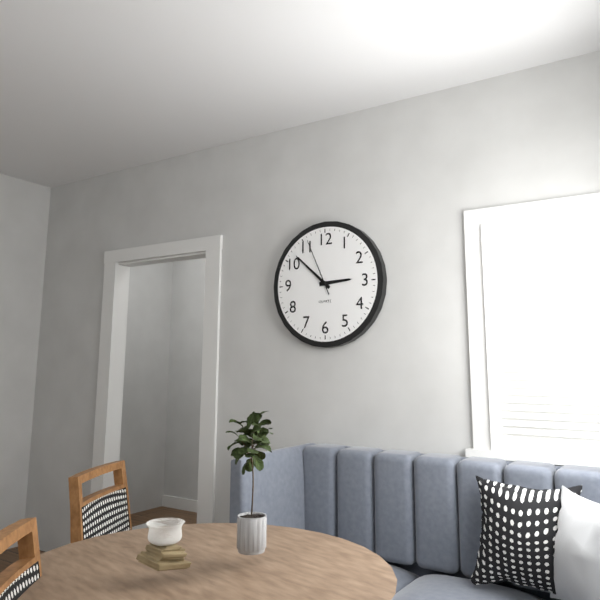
2 h 52 min 56 s
